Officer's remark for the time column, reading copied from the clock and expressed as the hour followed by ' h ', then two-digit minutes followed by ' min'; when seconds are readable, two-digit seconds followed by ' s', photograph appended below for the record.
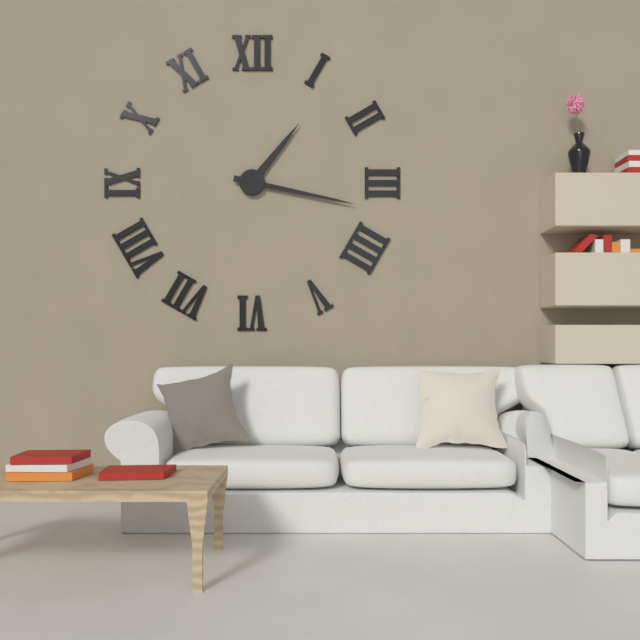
1 h 17 min
